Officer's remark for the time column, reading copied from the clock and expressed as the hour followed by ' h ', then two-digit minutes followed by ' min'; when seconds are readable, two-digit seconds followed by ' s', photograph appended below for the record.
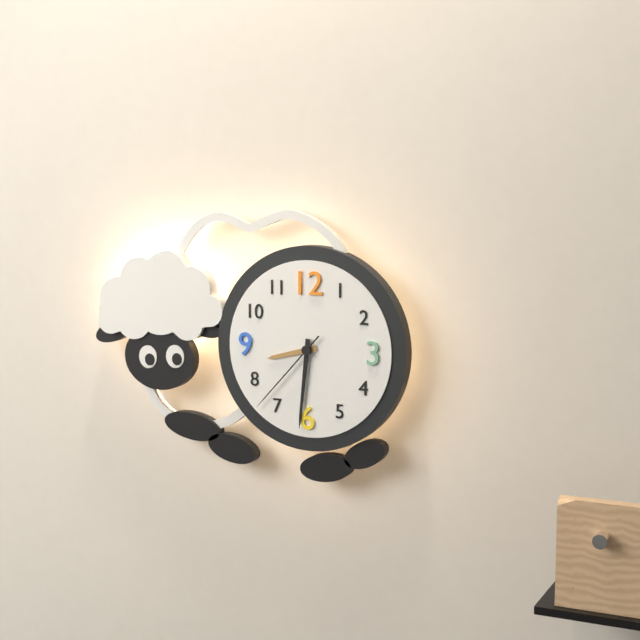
8 h 31 min 37 s
